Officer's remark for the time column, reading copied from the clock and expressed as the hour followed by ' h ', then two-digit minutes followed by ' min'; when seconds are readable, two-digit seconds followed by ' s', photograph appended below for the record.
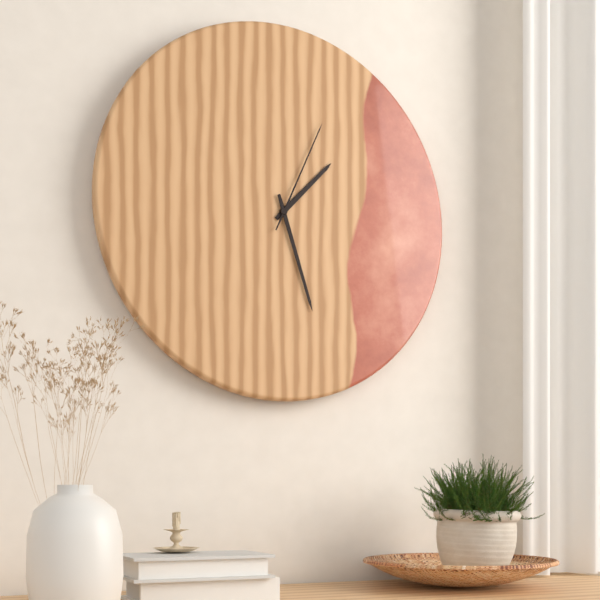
1 h 27 min 04 s
